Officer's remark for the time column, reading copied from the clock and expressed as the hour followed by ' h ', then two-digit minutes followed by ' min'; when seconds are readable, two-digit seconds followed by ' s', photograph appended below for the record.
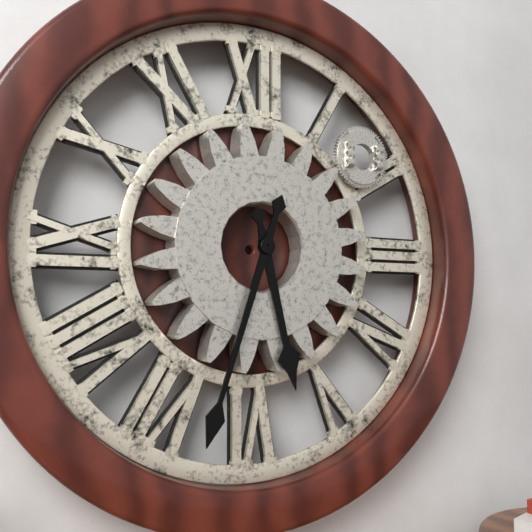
5 h 33 min
